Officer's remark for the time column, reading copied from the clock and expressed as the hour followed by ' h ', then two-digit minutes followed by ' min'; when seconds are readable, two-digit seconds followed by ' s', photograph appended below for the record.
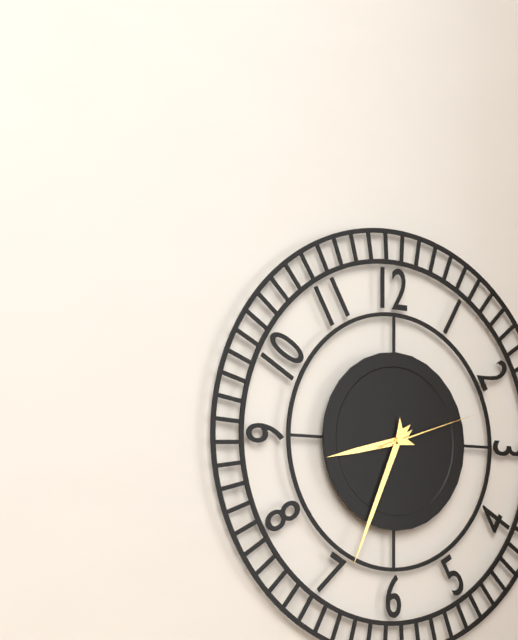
8 h 34 min 12 s
